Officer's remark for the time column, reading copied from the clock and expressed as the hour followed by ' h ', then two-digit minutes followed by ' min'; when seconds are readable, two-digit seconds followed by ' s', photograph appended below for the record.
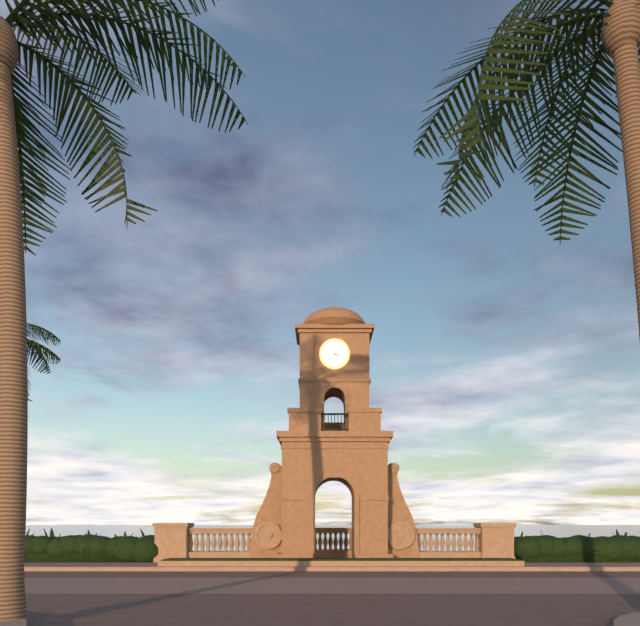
3 h 52 min
